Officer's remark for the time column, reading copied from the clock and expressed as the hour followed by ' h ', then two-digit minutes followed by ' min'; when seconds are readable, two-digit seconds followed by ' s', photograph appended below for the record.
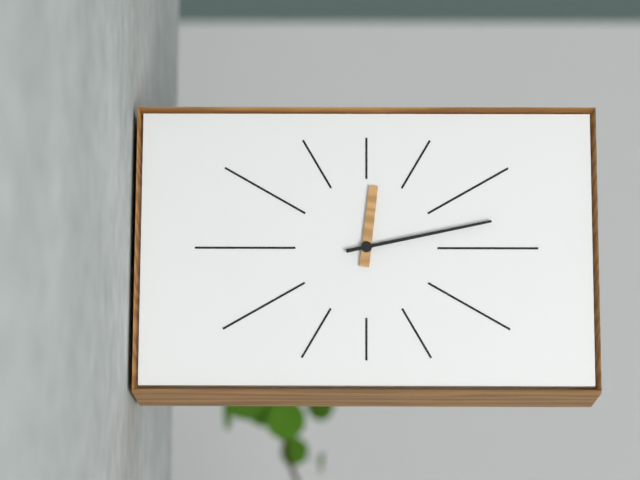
12 h 13 min
